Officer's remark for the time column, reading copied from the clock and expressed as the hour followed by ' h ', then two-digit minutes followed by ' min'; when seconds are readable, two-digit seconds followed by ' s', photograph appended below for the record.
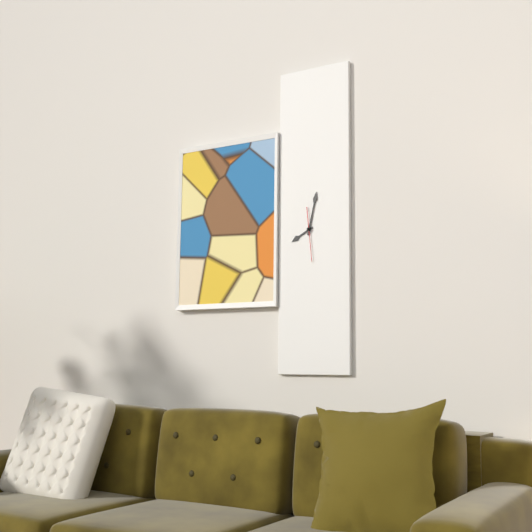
8 h 02 min
